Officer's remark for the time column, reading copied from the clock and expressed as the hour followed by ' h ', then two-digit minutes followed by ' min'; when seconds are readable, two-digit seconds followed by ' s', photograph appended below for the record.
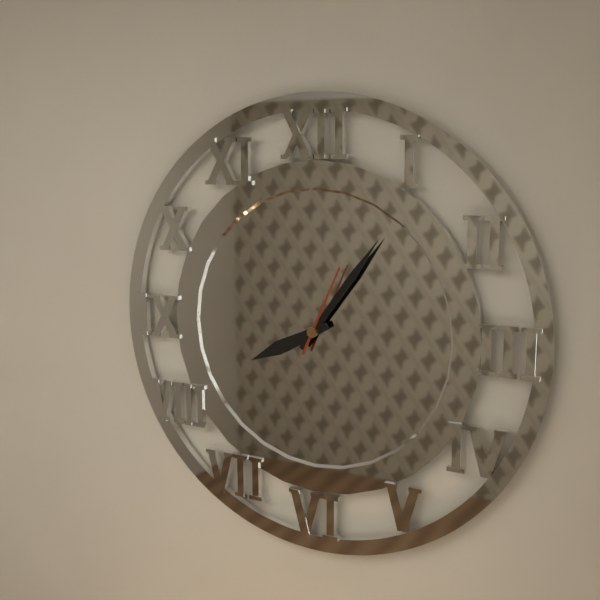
8 h 06 min 04 s
